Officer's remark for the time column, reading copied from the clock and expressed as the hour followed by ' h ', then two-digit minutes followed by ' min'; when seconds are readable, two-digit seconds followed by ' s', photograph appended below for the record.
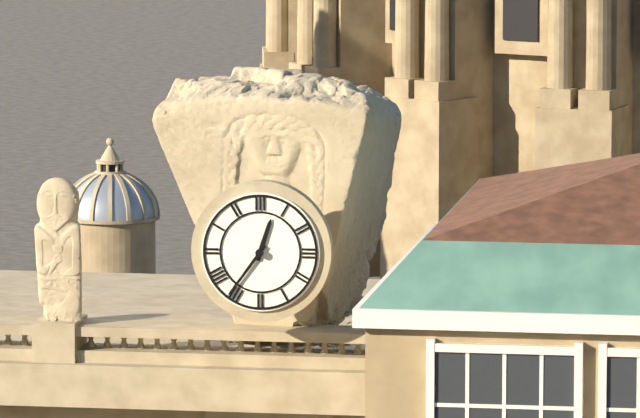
12 h 36 min
